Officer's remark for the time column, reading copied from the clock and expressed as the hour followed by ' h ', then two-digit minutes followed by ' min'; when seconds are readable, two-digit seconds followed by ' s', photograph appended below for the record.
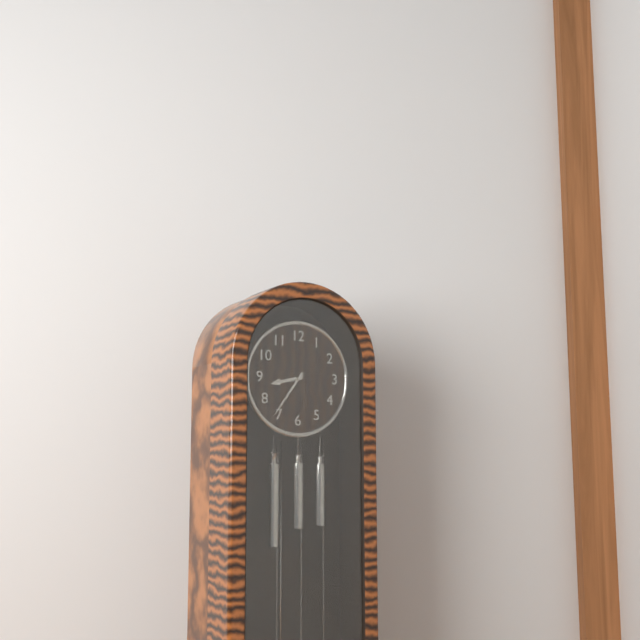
8 h 36 min
